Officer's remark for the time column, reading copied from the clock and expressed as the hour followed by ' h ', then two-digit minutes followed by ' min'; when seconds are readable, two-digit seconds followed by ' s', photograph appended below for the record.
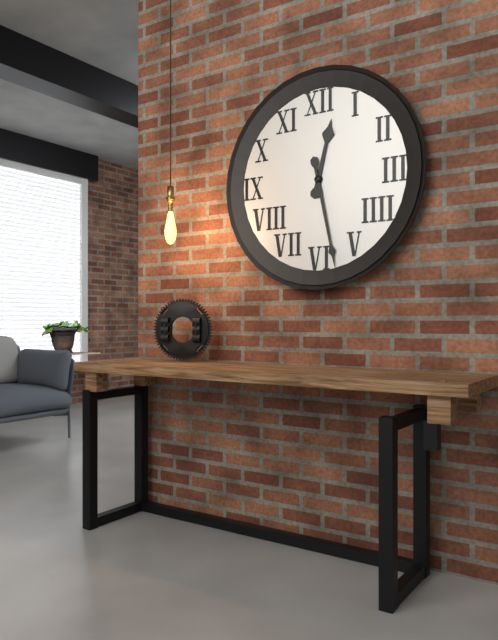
12 h 28 min
